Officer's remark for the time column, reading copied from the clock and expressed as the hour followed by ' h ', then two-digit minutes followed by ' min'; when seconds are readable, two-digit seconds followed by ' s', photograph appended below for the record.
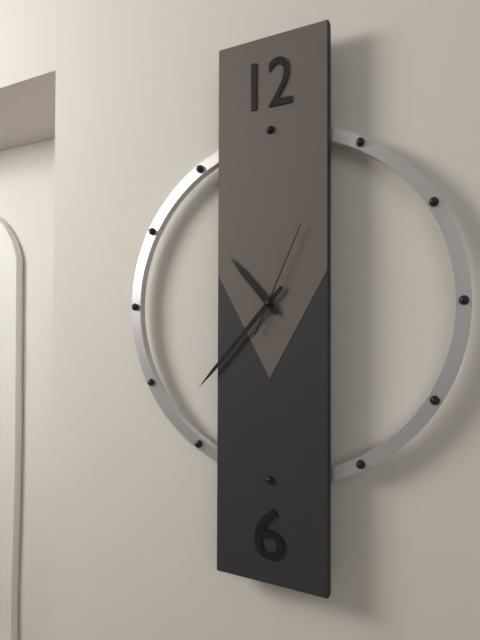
10 h 37 min 04 s
